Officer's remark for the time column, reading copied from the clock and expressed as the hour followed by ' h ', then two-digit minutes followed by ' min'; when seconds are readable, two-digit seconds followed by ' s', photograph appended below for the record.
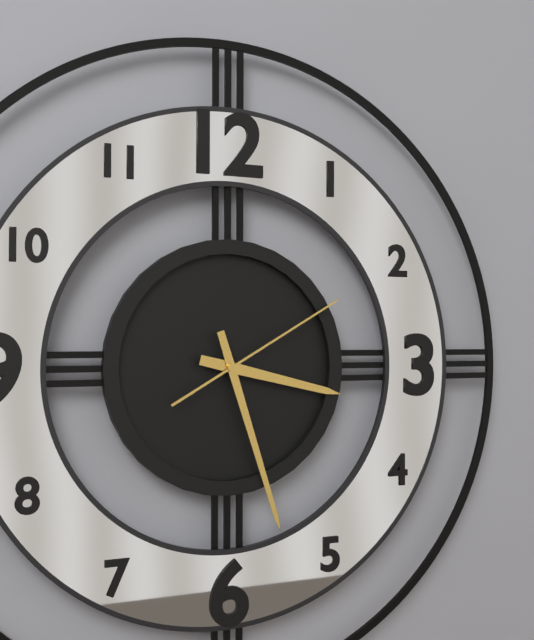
3 h 27 min 10 s
